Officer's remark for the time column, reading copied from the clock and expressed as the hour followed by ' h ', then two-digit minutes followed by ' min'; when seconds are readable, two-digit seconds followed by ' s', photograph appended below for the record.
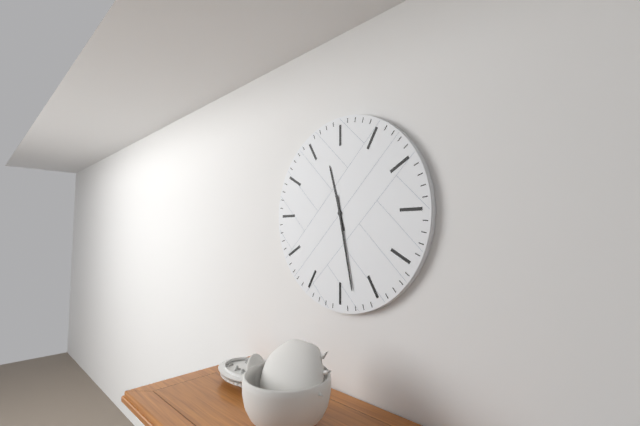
11 h 28 min
